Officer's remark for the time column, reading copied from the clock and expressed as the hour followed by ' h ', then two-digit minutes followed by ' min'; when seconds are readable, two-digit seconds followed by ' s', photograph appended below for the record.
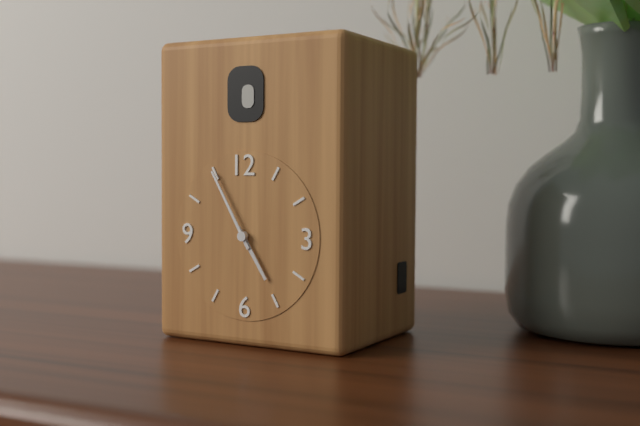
4 h 55 min
